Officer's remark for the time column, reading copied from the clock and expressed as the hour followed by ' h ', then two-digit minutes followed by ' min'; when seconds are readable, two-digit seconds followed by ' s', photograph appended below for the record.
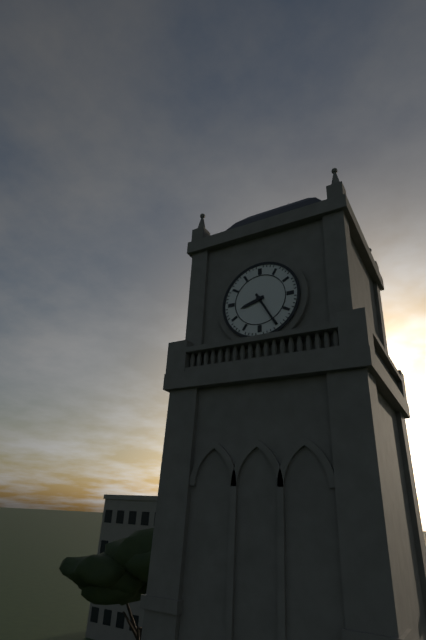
8 h 25 min
